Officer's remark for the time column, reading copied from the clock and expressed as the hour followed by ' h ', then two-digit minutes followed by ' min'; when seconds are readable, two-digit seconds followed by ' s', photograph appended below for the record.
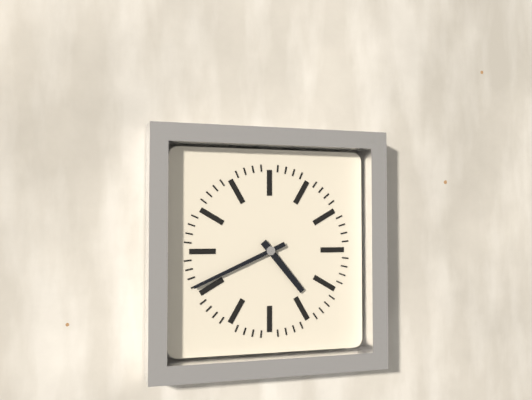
4 h 41 min
